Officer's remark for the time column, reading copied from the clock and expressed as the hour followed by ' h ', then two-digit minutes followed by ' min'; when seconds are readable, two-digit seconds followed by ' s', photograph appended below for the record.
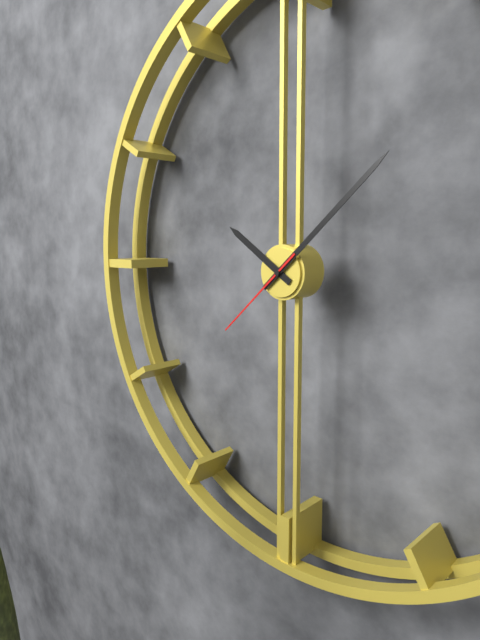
10 h 08 min 38 s
